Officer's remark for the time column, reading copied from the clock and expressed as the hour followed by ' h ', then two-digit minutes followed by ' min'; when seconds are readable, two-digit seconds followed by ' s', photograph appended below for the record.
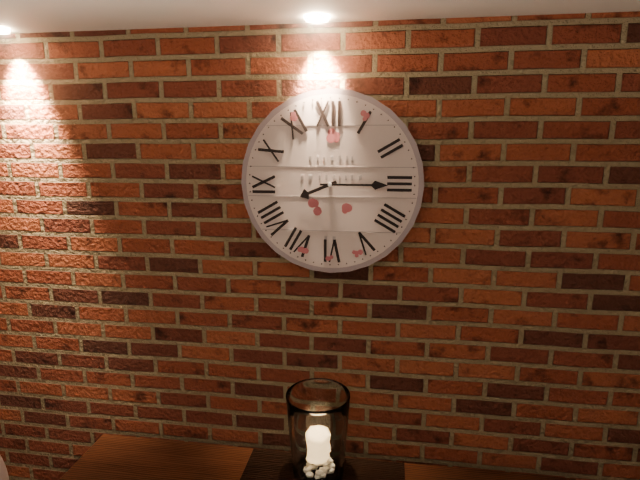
8 h 15 min
